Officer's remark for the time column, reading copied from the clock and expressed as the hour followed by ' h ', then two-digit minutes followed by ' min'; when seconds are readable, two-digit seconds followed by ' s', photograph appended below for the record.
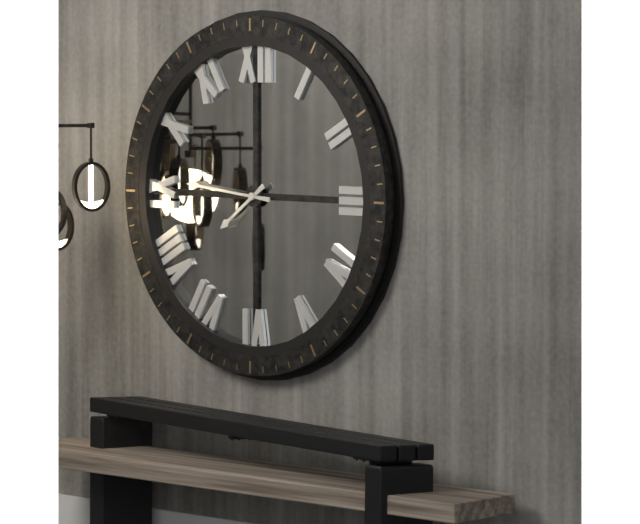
7 h 46 min
